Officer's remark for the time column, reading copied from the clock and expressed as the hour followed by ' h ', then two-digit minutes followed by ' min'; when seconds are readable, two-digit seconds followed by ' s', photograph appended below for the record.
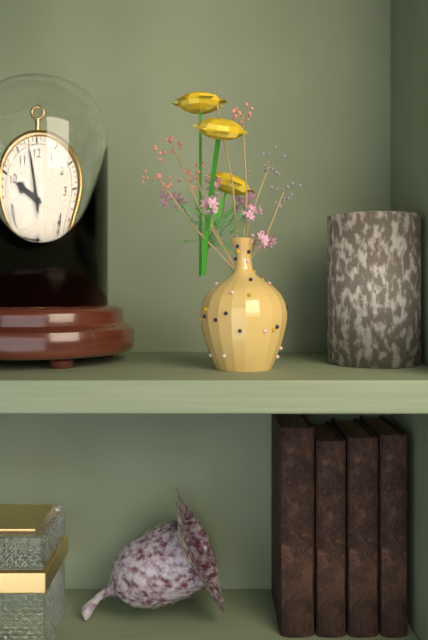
9 h 58 min
